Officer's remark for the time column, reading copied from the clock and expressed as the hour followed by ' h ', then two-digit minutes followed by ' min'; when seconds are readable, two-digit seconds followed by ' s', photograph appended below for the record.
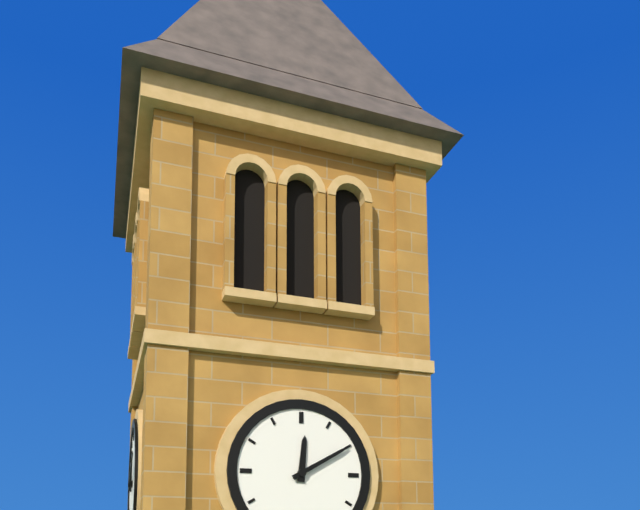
12 h 10 min
